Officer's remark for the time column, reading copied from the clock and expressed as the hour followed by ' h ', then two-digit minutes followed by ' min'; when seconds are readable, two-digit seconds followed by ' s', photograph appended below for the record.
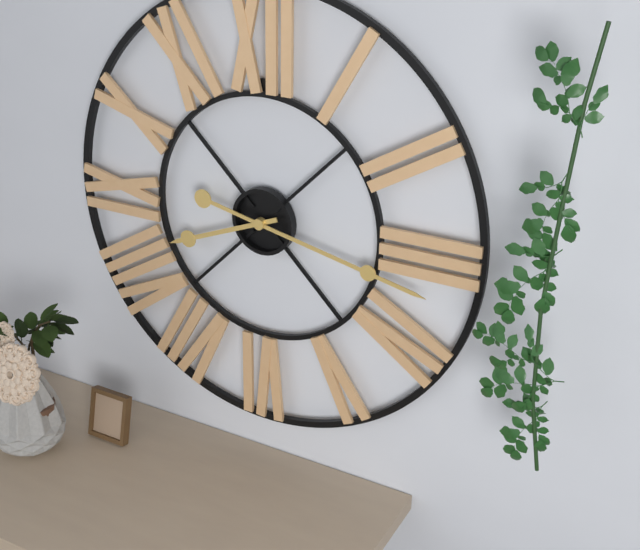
8 h 17 min
